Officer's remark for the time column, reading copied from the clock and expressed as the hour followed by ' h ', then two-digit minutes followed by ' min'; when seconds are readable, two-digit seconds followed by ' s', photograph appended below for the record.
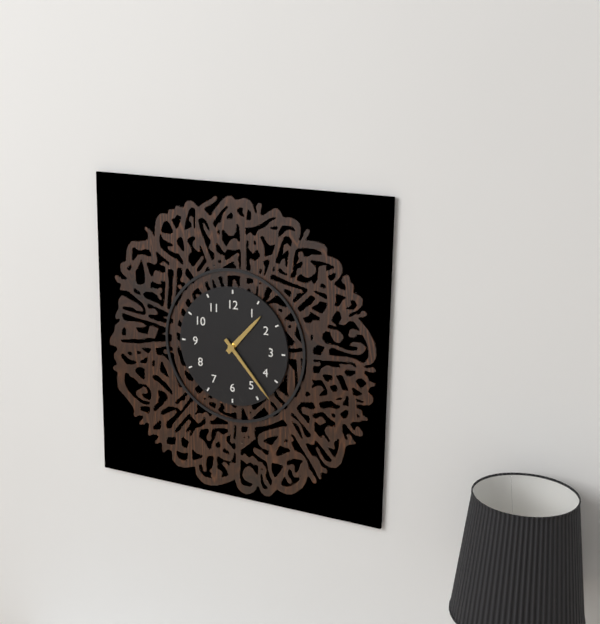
1 h 23 min
